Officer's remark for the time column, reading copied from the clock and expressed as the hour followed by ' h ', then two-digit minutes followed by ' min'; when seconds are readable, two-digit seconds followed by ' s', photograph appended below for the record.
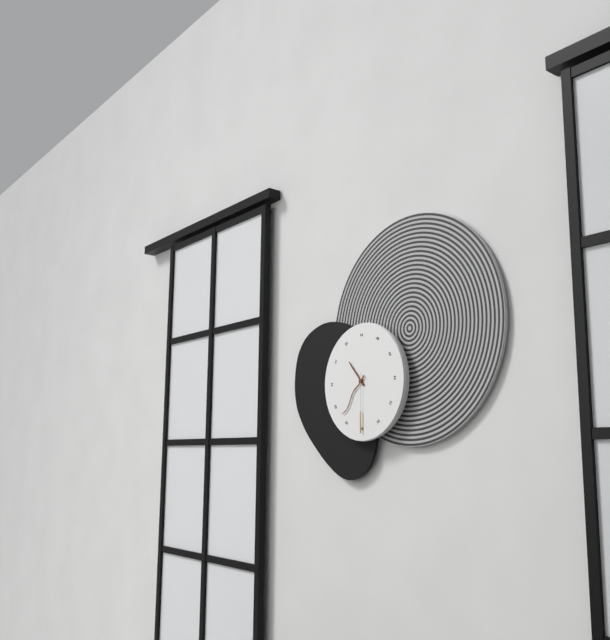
10 h 37 min 30 s
